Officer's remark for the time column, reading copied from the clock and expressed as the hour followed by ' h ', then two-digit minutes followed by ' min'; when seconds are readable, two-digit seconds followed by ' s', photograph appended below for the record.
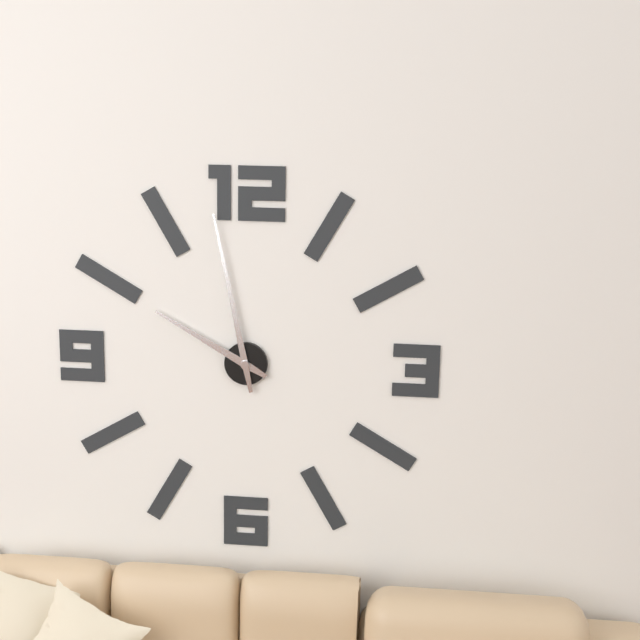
9 h 58 min
